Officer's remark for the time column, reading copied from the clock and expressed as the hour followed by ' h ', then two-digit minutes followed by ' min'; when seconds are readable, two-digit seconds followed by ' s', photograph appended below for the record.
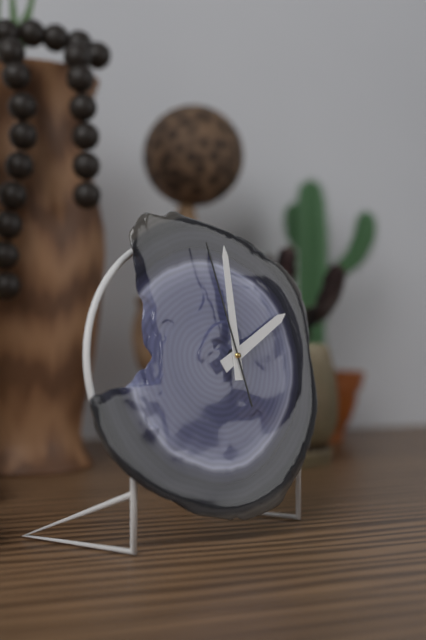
2 h 00 min 58 s
